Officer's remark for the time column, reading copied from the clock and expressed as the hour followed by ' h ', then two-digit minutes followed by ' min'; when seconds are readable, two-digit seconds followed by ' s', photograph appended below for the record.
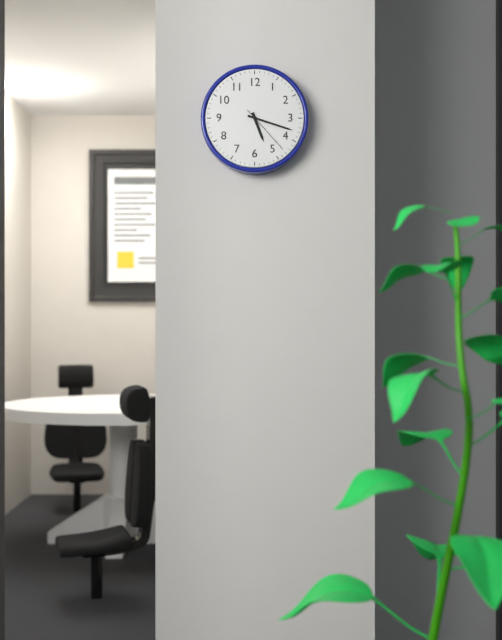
5 h 18 min 23 s
